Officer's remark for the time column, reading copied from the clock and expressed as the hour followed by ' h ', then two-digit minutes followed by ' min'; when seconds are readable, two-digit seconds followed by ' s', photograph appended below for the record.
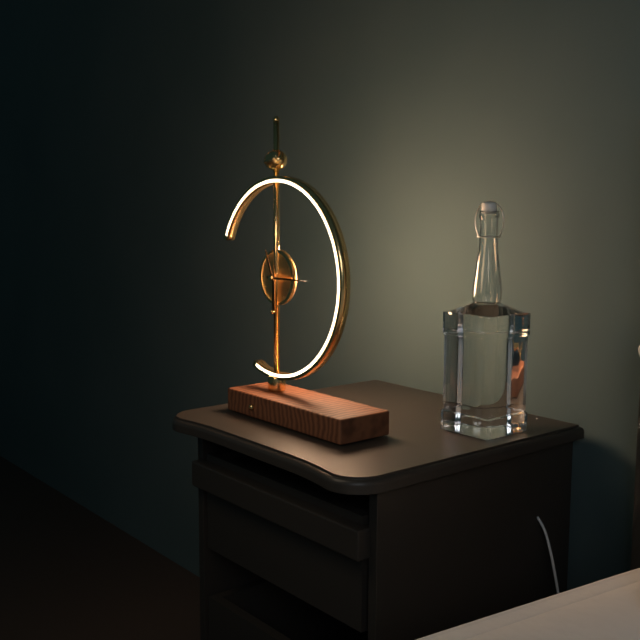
11 h 15 min
